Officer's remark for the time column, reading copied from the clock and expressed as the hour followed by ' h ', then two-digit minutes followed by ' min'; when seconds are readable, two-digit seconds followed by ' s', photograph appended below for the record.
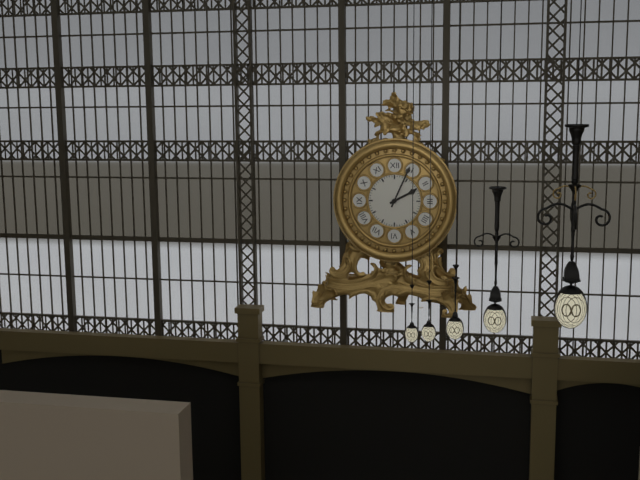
2 h 04 min
